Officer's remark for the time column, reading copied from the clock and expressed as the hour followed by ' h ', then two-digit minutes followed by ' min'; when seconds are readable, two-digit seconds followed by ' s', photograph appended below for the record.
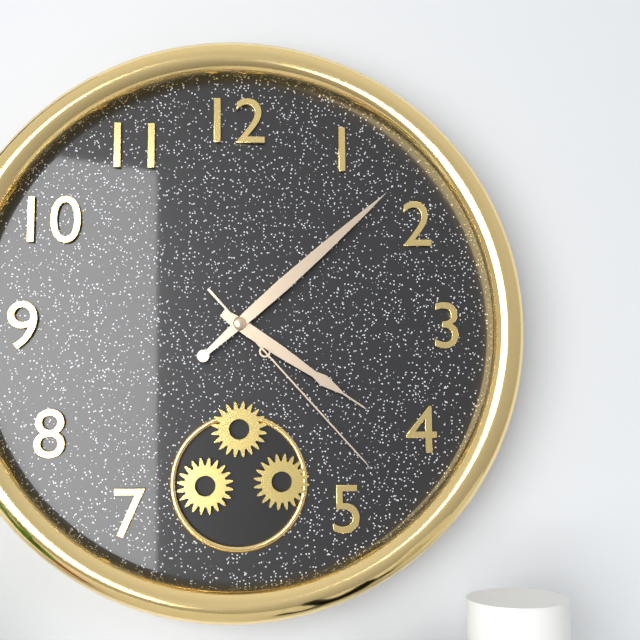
4 h 08 min 23 s
